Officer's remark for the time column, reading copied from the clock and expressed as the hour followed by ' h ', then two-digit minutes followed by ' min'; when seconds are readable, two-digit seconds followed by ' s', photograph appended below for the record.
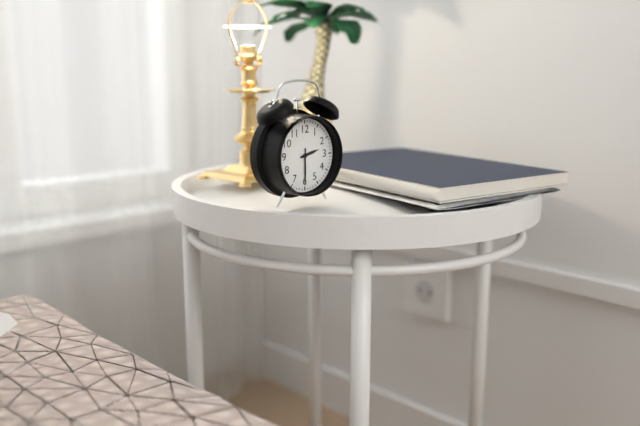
2 h 30 min
